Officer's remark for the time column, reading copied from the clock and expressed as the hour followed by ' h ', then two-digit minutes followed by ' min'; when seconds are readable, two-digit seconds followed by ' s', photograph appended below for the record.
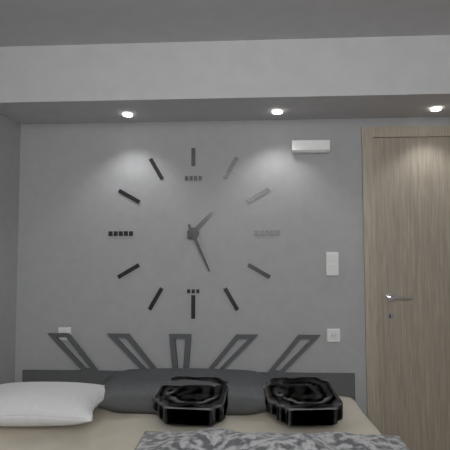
1 h 26 min
